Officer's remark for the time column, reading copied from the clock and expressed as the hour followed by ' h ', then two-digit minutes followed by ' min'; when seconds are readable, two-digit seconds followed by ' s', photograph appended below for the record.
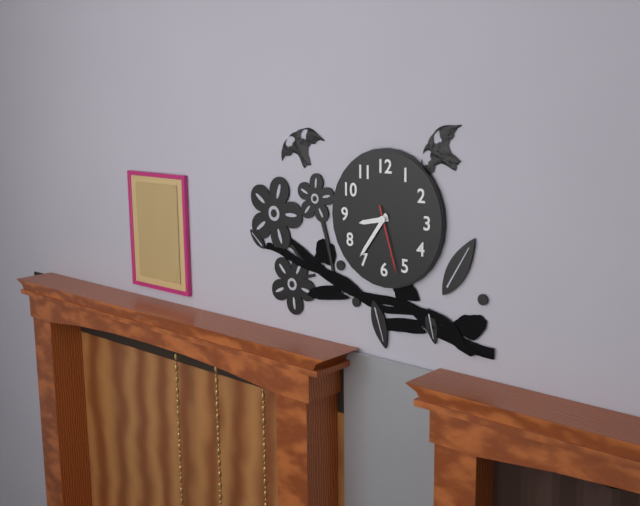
8 h 36 min 27 s
